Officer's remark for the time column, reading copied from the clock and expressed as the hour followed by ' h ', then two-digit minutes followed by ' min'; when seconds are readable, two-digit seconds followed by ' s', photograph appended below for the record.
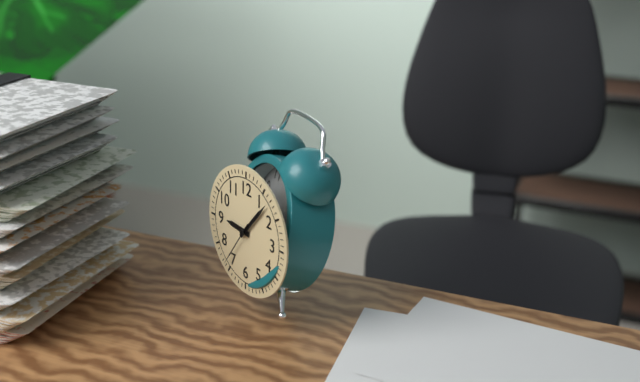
9 h 07 min
